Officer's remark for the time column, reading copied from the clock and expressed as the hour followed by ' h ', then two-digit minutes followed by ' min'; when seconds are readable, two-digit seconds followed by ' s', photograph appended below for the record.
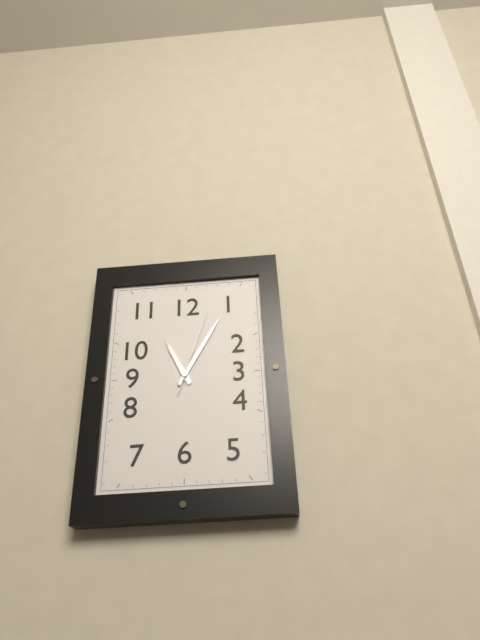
11 h 05 min 03 s
